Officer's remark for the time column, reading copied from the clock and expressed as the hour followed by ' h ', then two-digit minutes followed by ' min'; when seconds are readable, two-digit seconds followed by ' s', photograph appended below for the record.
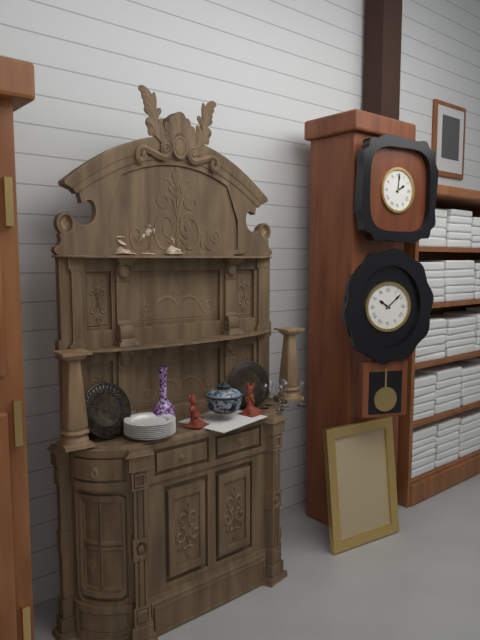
2 h 01 min
